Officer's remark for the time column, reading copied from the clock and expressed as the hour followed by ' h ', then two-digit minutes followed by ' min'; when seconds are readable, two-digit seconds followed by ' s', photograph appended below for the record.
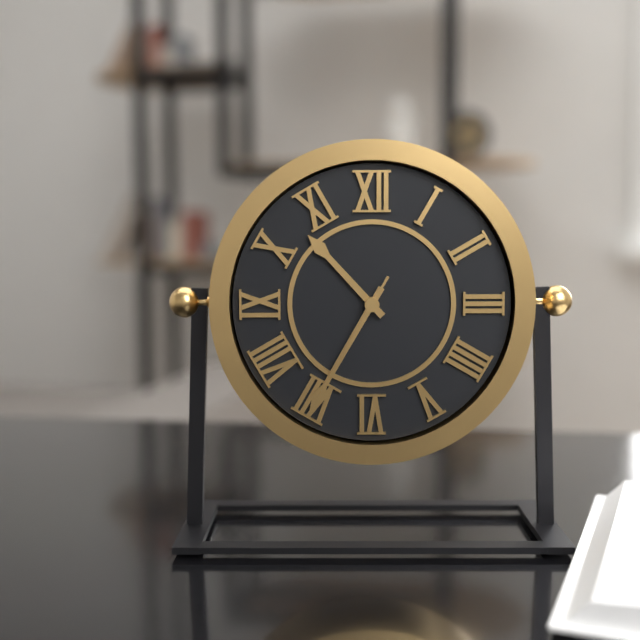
10 h 35 min 35 s
